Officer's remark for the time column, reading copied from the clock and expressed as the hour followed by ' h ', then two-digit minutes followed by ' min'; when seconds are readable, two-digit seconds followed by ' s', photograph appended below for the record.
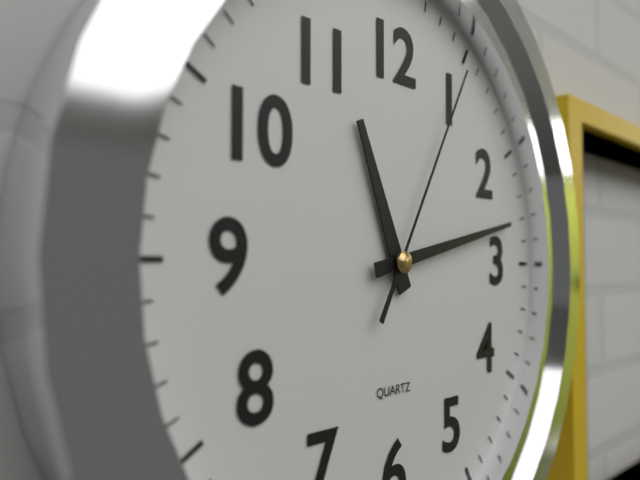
11 h 13 min 05 s
